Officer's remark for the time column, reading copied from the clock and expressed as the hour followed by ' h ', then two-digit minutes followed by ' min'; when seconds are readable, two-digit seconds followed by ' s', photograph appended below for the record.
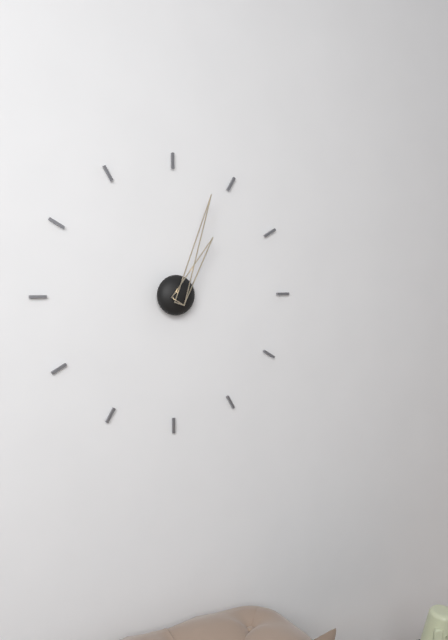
1 h 03 min
